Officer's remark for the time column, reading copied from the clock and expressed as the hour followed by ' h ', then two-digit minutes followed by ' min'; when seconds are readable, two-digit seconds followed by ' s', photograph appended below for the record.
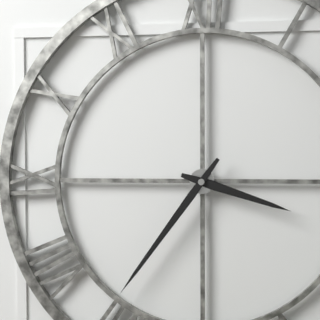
3 h 36 min
